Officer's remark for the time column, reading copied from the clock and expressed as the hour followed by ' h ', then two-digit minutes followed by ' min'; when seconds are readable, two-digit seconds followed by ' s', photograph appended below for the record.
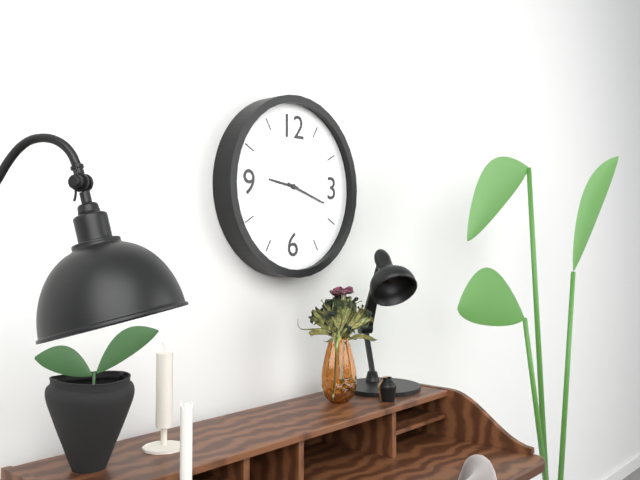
9 h 18 min
